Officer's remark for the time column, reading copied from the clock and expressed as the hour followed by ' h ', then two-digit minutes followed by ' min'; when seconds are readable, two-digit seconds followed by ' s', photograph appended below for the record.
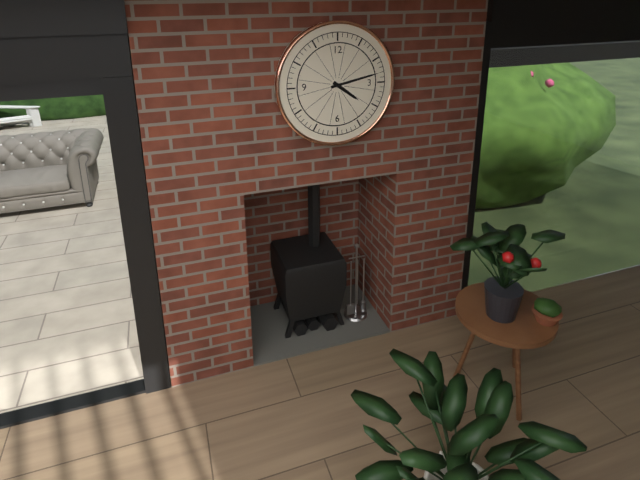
4 h 13 min
